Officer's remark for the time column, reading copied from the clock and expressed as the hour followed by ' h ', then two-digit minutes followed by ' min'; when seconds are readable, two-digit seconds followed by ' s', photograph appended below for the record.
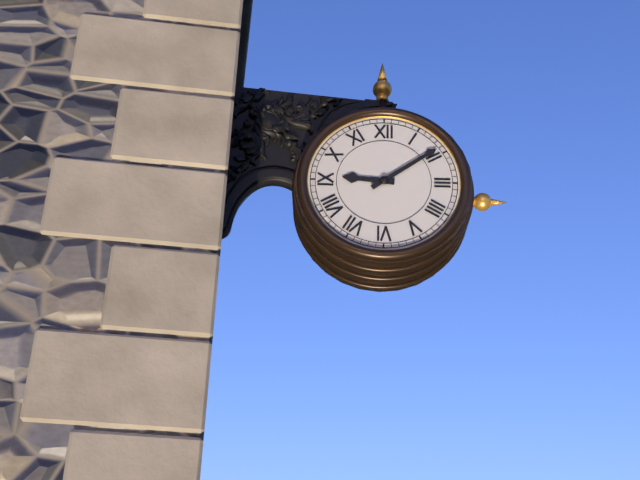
9 h 09 min
